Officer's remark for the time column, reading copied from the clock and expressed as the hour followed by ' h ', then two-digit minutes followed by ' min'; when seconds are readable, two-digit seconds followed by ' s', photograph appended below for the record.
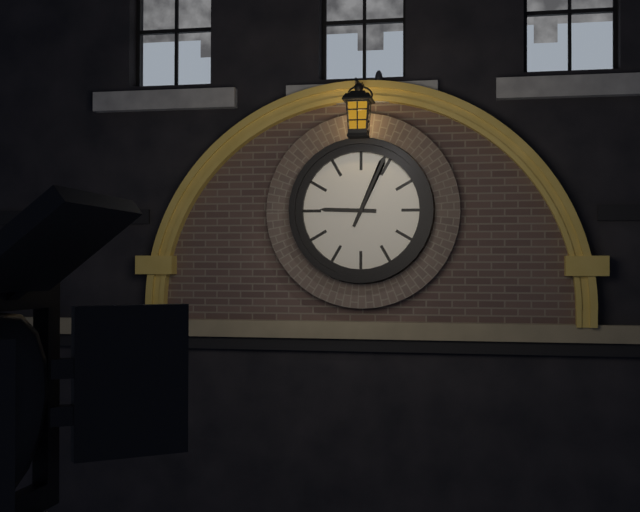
9 h 04 min
